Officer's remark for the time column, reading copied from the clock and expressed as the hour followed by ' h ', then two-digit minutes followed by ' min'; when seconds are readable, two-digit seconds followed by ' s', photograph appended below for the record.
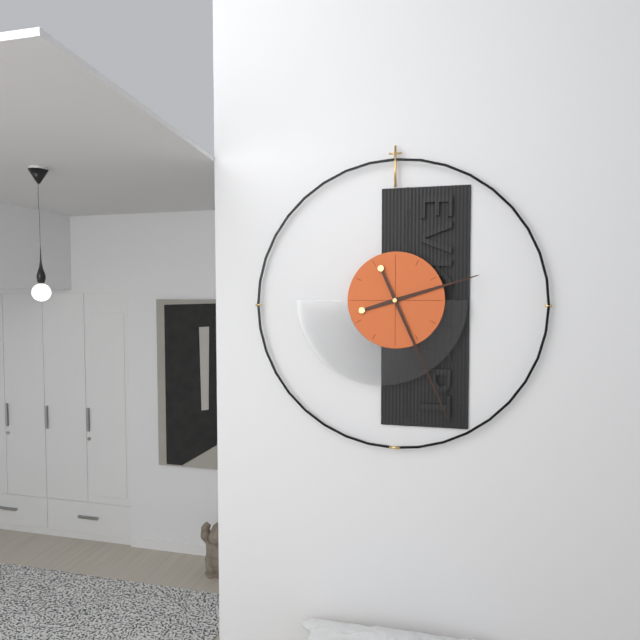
2 h 26 min
